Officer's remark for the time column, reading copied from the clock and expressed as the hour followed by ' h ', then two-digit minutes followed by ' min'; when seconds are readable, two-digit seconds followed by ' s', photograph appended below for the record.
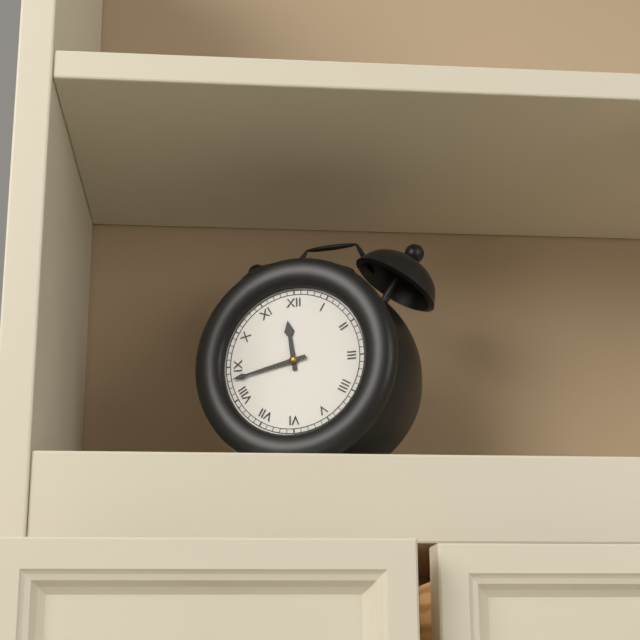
11 h 43 min
